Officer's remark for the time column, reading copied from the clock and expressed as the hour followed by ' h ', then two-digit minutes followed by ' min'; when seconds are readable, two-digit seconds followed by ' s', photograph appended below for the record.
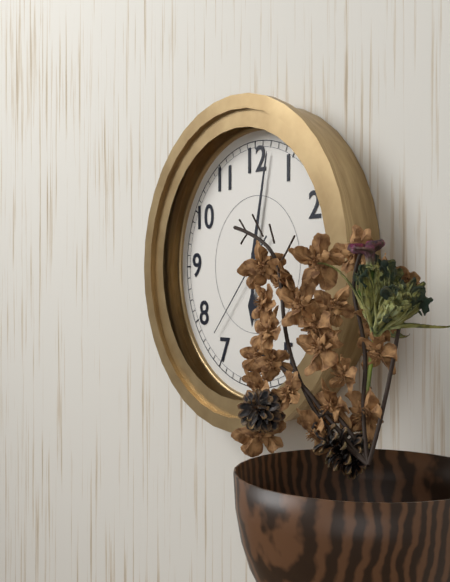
6 h 02 min 37 s
